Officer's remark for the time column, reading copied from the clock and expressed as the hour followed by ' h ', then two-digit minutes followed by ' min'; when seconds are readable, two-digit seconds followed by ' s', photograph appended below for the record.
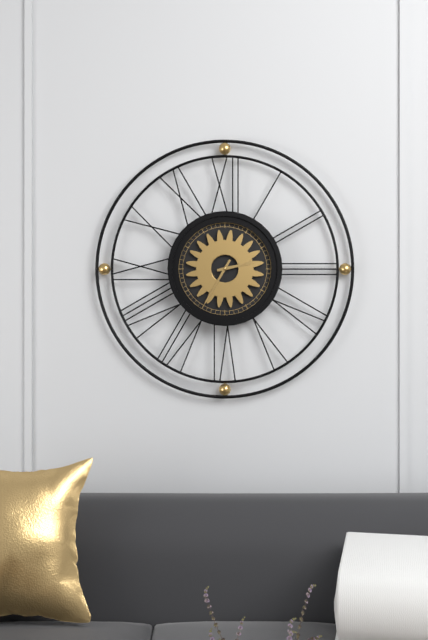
2 h 35 min
